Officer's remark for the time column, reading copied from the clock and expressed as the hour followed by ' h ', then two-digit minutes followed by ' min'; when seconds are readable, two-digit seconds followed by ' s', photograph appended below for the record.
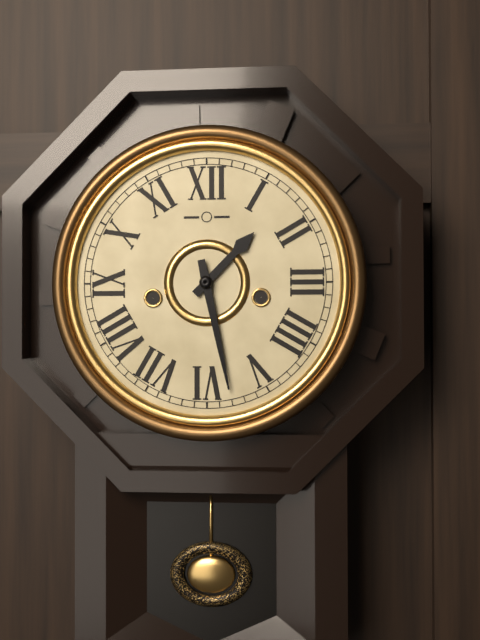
1 h 28 min
